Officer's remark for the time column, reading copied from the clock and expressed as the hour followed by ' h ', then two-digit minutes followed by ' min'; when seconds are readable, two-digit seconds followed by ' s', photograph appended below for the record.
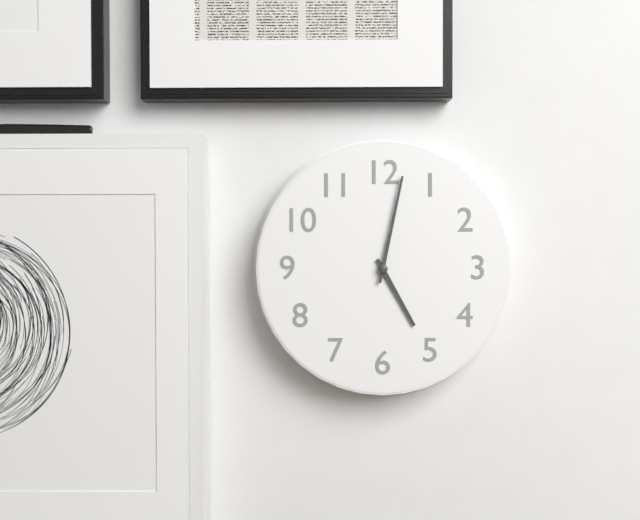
5 h 02 min
